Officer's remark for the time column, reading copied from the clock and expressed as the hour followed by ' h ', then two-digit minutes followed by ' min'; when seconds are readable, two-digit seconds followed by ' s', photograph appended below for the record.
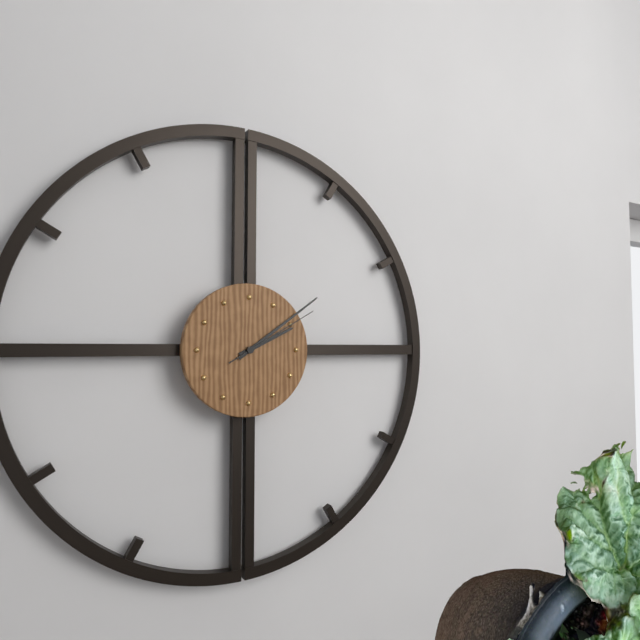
2 h 09 min 10 s
